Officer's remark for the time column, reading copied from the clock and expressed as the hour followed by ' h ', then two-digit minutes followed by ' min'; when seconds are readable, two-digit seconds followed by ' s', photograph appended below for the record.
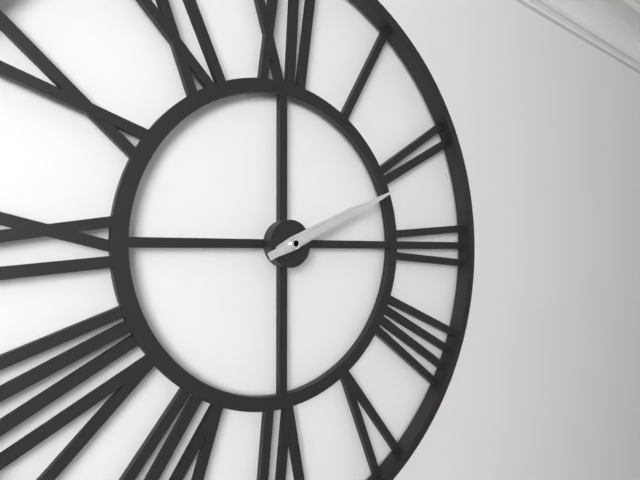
2 h 11 min
